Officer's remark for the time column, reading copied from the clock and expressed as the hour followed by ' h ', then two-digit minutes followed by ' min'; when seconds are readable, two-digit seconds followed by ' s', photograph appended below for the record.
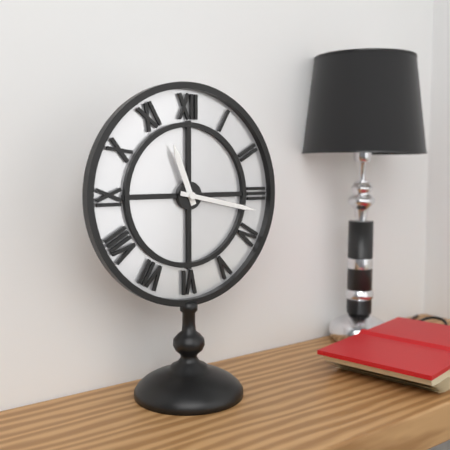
11 h 17 min
